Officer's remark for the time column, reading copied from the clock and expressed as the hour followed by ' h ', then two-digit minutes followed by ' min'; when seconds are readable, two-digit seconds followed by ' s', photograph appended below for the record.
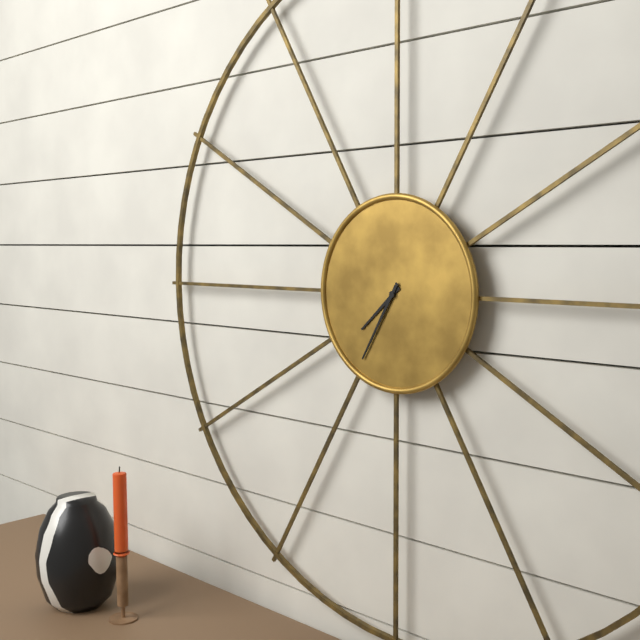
7 h 35 min
